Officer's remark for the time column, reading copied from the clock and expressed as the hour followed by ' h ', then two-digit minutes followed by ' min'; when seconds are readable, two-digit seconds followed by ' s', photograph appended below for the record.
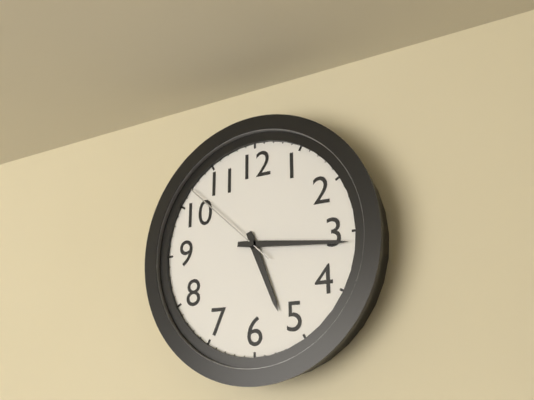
5 h 16 min 52 s
